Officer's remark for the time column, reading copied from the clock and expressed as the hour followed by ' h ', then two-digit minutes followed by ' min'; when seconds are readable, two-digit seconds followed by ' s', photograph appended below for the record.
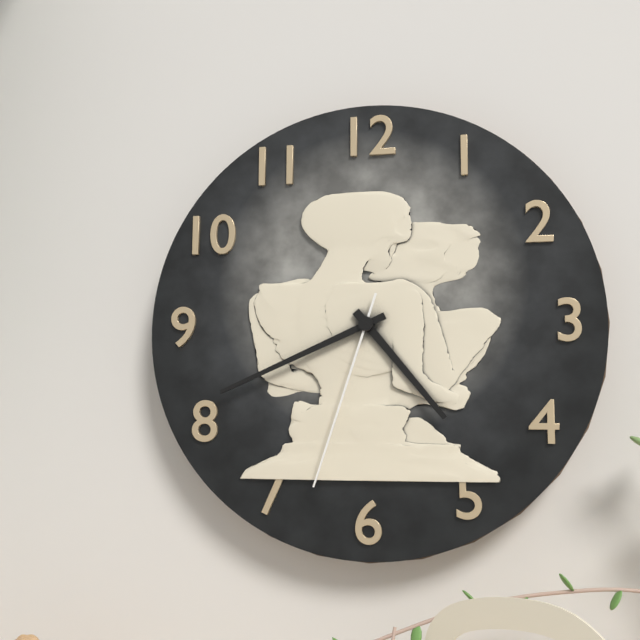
4 h 41 min 33 s
